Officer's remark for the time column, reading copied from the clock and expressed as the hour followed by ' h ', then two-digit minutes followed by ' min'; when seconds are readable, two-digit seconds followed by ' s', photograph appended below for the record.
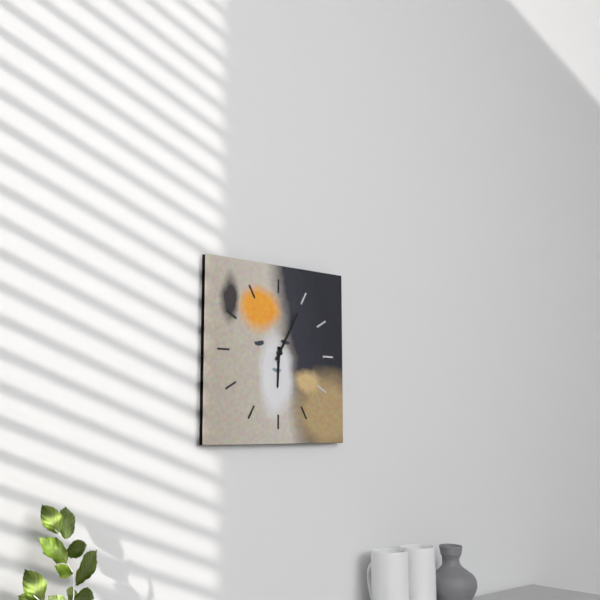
6 h 05 min
